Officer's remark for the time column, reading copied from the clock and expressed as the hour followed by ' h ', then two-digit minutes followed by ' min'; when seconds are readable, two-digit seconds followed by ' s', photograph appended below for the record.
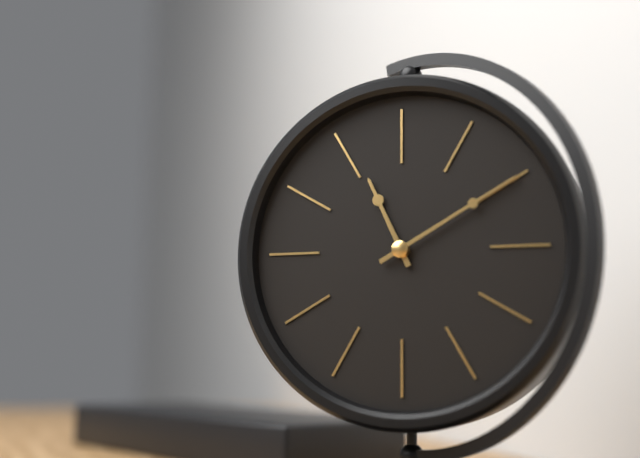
11 h 10 min
